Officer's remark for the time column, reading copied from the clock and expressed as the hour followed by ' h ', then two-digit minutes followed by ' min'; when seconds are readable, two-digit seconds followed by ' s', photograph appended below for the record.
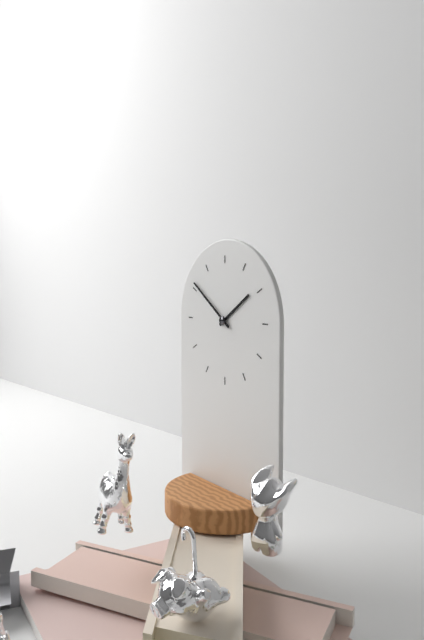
1 h 51 min
